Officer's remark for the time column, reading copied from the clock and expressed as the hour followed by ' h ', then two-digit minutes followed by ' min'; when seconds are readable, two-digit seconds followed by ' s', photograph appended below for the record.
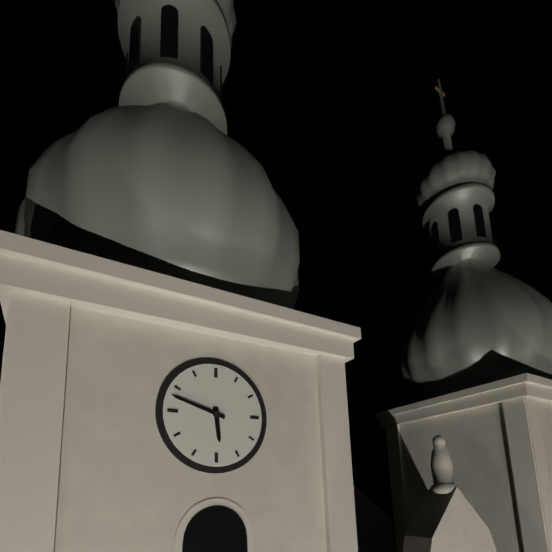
5 h 48 min
